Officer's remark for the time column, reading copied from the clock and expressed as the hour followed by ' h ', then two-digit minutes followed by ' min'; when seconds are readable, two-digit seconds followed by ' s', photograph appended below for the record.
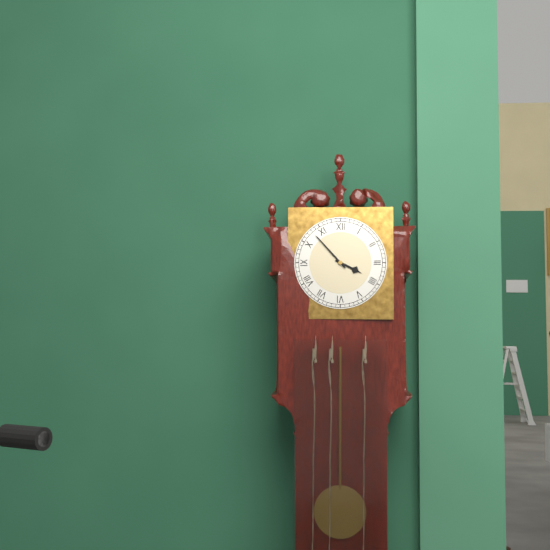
3 h 53 min
